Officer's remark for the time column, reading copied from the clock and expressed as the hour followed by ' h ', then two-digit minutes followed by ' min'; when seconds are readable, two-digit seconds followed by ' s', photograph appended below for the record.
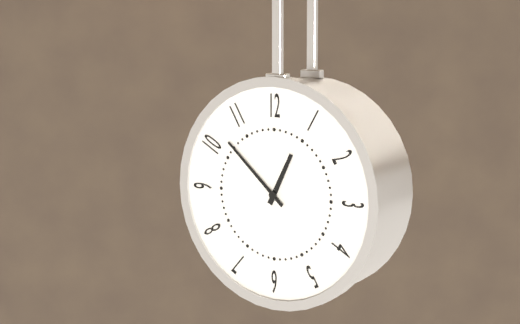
12 h 52 min
